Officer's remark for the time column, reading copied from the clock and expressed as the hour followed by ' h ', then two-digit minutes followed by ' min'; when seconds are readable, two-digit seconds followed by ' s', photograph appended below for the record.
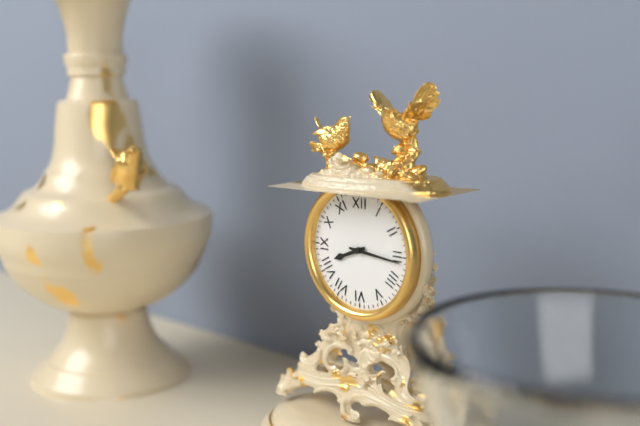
8 h 16 min
